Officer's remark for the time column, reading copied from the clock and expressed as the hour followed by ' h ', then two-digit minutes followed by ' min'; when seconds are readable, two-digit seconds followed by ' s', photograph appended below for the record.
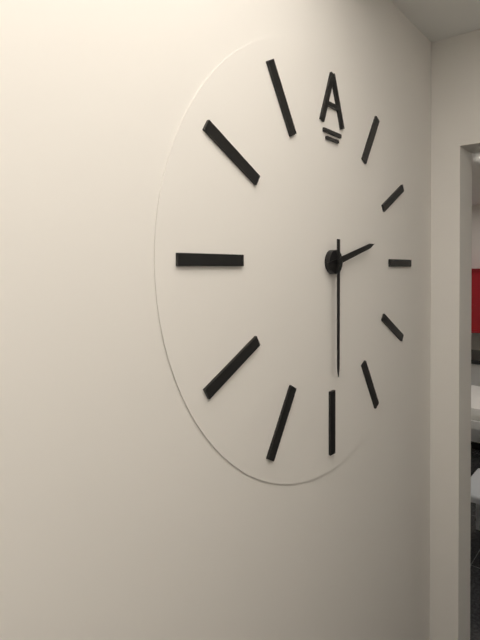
2 h 30 min
